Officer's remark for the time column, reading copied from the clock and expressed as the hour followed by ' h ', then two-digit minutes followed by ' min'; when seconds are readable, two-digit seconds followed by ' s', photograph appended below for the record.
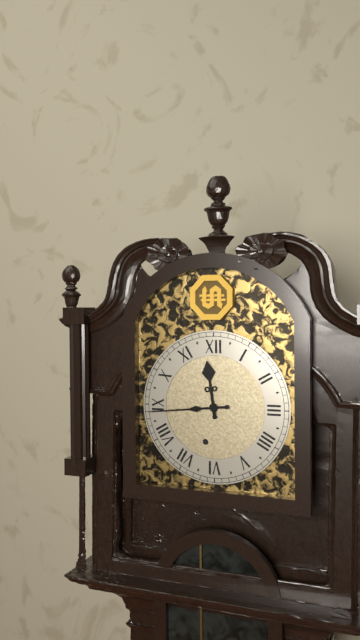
11 h 44 min
